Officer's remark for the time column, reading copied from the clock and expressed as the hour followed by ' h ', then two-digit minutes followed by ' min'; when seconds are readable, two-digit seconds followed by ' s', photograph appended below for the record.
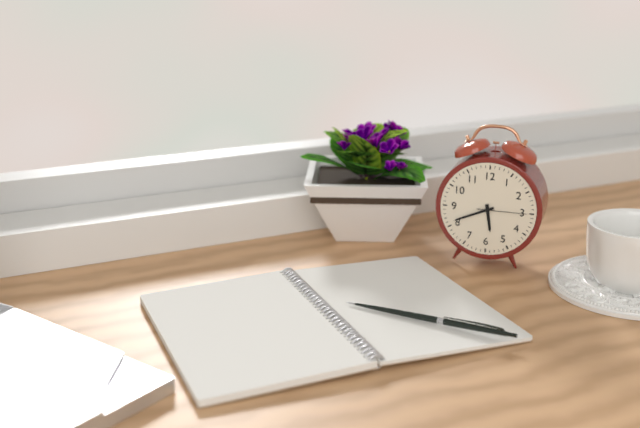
5 h 41 min 15 s
